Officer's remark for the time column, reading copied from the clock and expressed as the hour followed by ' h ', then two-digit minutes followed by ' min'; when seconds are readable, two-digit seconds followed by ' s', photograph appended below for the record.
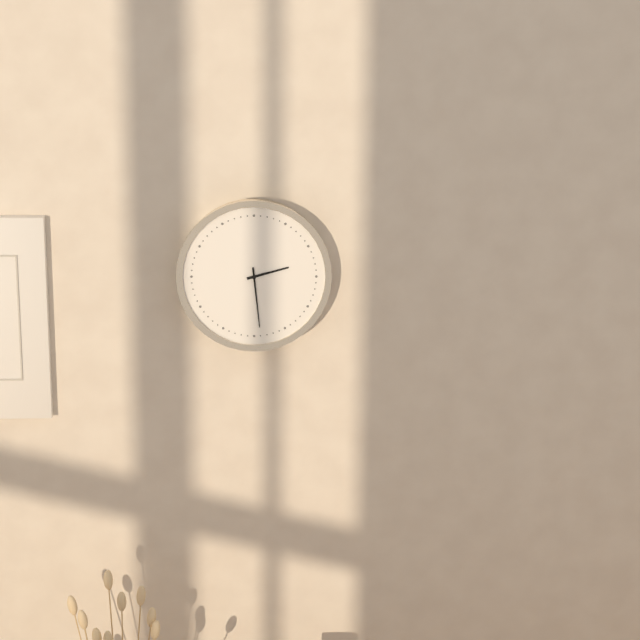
2 h 29 min
